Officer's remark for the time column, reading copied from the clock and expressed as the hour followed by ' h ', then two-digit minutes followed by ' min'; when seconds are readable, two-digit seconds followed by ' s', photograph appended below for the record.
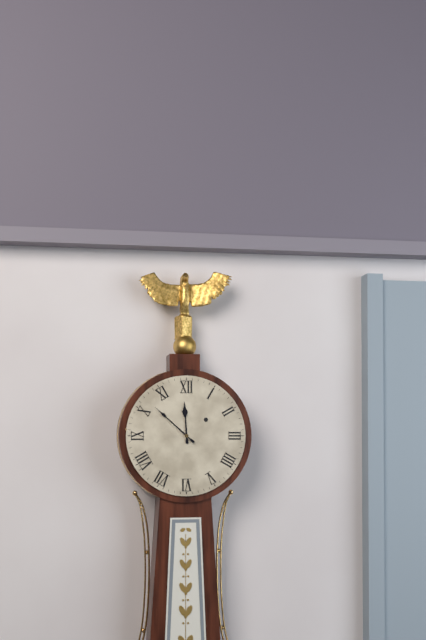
11 h 52 min
